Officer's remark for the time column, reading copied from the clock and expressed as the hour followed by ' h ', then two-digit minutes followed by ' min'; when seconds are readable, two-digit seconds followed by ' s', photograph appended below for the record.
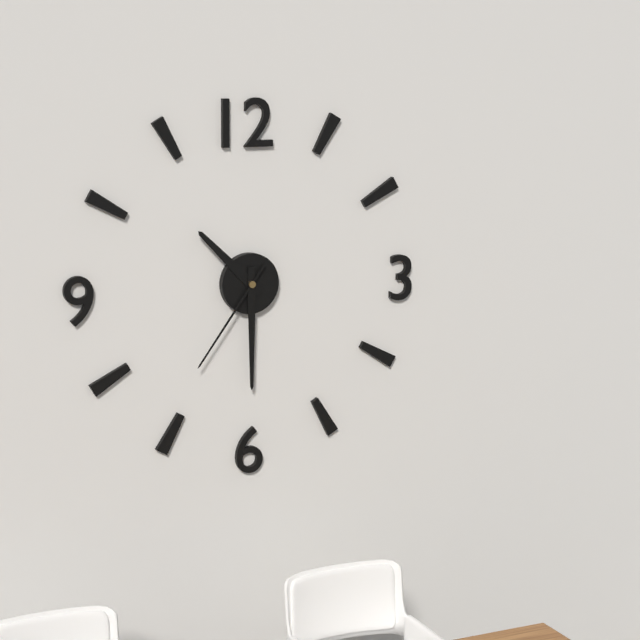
10 h 30 min 36 s
